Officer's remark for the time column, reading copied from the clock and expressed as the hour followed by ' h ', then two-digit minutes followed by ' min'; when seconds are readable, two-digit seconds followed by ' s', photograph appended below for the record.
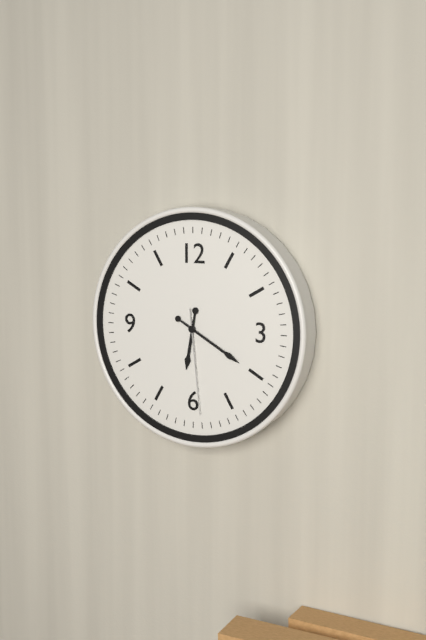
6 h 20 min 29 s
